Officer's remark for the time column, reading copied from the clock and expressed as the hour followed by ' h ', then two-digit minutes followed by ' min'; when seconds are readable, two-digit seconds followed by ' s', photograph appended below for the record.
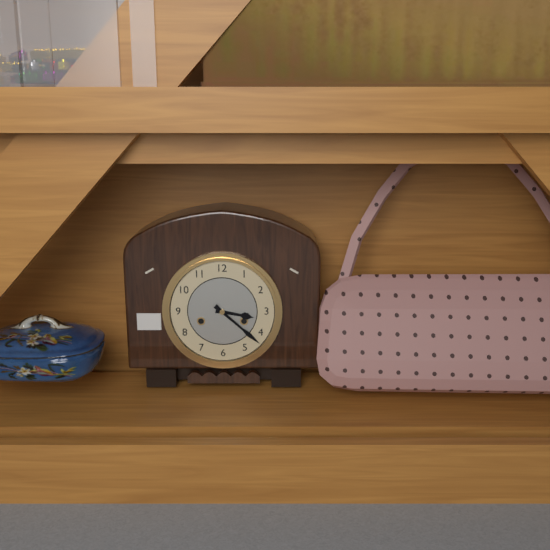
3 h 22 min
